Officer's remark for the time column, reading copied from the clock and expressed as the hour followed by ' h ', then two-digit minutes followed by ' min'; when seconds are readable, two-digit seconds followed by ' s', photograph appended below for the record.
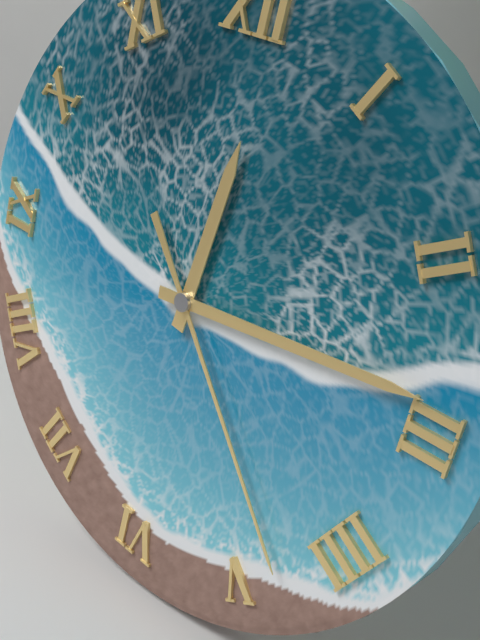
12 h 14 min 23 s
